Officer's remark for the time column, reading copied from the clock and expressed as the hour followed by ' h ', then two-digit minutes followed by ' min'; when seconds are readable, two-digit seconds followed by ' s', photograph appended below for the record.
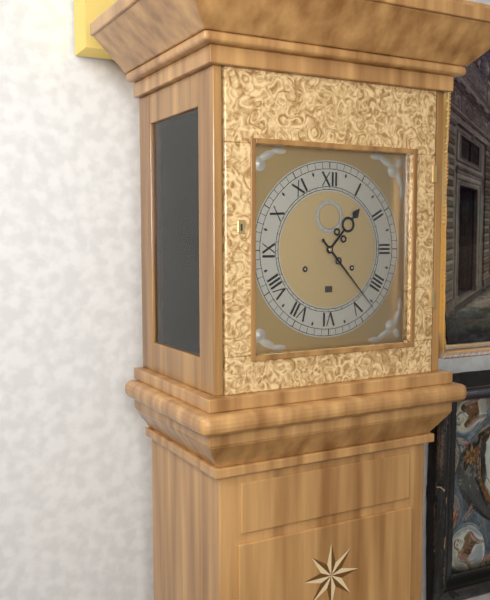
1 h 23 min
